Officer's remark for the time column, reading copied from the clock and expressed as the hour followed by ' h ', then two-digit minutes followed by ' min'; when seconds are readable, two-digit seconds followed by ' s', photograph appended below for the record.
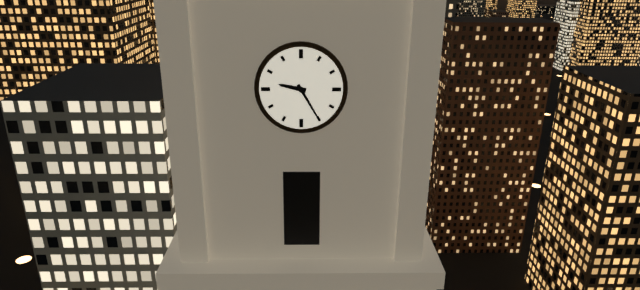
9 h 25 min
